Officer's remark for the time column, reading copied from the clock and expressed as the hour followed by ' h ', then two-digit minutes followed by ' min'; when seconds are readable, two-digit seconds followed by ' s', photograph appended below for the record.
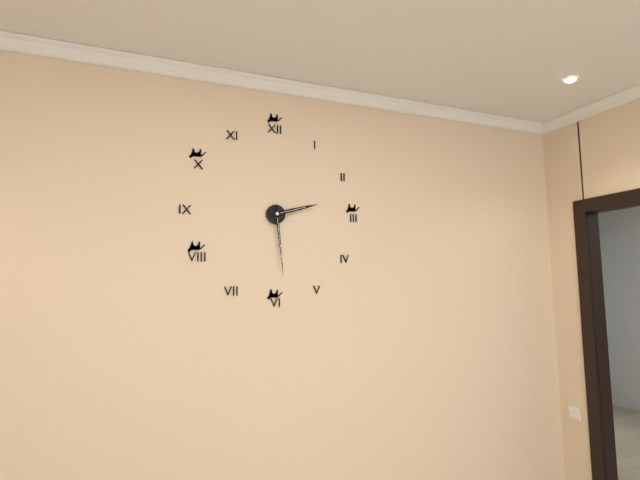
2 h 29 min
